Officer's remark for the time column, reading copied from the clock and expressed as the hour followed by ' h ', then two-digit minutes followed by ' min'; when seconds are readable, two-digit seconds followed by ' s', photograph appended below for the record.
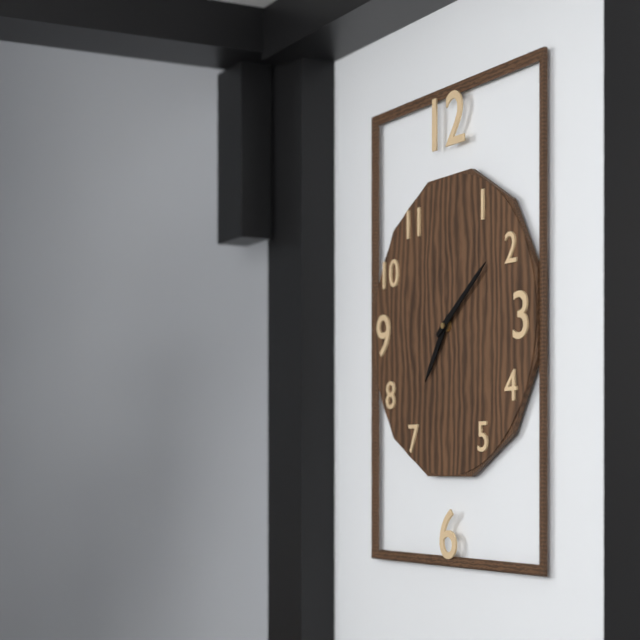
7 h 09 min
